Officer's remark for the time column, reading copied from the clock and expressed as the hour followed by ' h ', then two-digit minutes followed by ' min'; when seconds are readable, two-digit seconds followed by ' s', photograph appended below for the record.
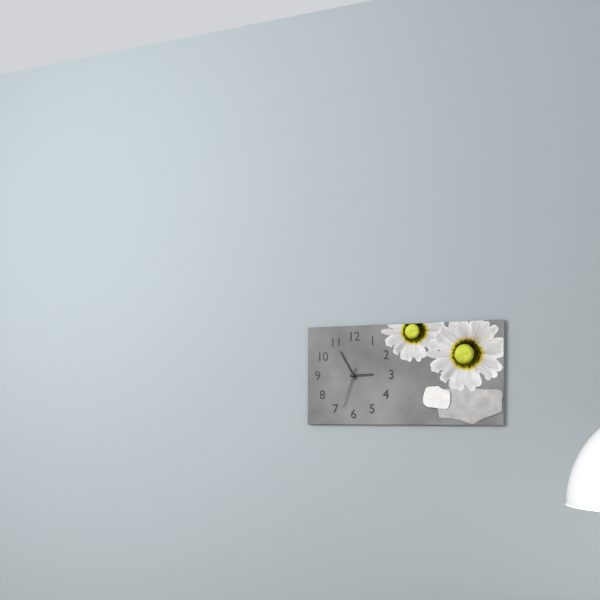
2 h 55 min
